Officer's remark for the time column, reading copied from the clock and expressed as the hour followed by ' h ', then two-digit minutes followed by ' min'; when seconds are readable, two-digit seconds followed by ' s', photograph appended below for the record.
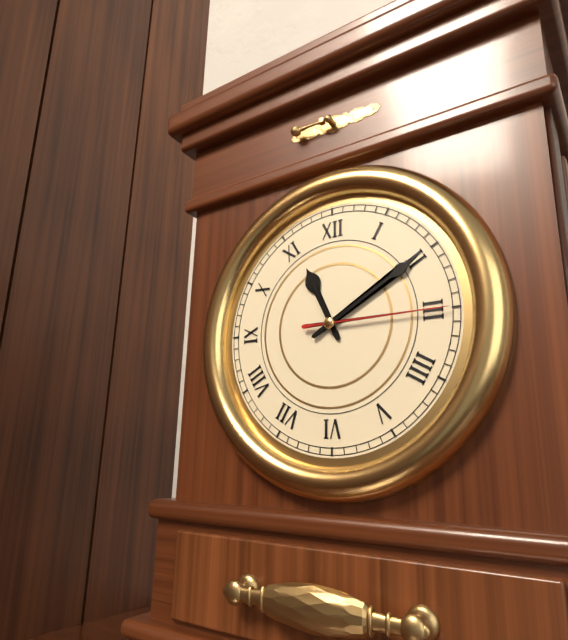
11 h 10 min 15 s
